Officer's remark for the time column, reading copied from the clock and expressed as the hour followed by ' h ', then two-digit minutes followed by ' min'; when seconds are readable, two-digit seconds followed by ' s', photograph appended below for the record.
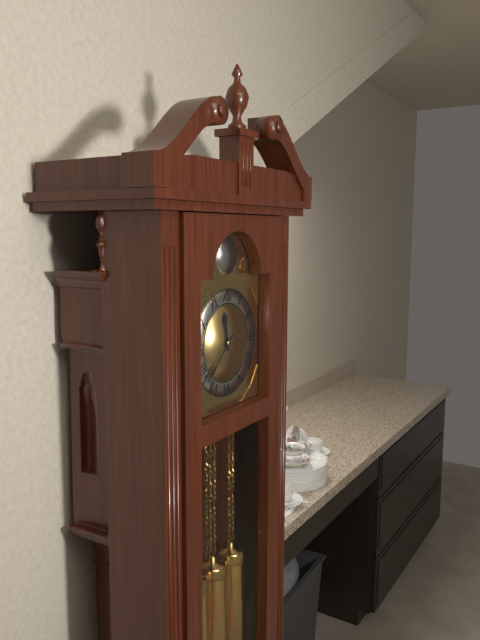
11 h 38 min
